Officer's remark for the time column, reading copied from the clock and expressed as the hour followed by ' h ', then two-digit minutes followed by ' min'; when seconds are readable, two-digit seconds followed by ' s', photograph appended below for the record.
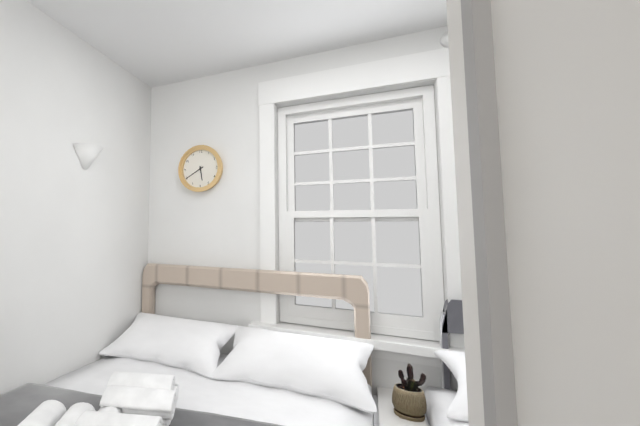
5 h 40 min
